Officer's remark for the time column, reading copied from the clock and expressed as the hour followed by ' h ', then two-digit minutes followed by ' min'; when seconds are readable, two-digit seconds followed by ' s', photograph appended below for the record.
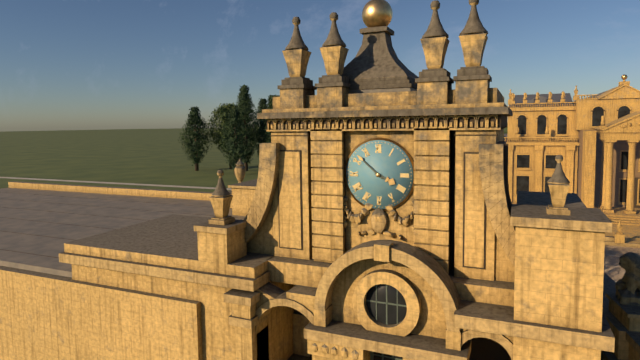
3 h 52 min
